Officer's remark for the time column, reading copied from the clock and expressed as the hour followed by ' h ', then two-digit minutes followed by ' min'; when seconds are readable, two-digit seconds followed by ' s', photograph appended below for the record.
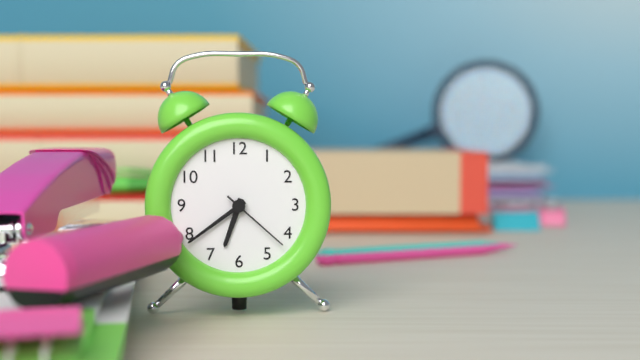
6 h 39 min 22 s
